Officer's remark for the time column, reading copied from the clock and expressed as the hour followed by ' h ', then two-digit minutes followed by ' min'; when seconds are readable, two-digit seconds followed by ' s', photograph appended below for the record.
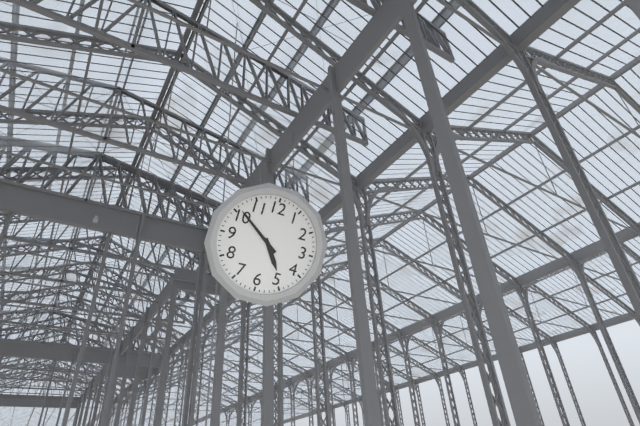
4 h 51 min
